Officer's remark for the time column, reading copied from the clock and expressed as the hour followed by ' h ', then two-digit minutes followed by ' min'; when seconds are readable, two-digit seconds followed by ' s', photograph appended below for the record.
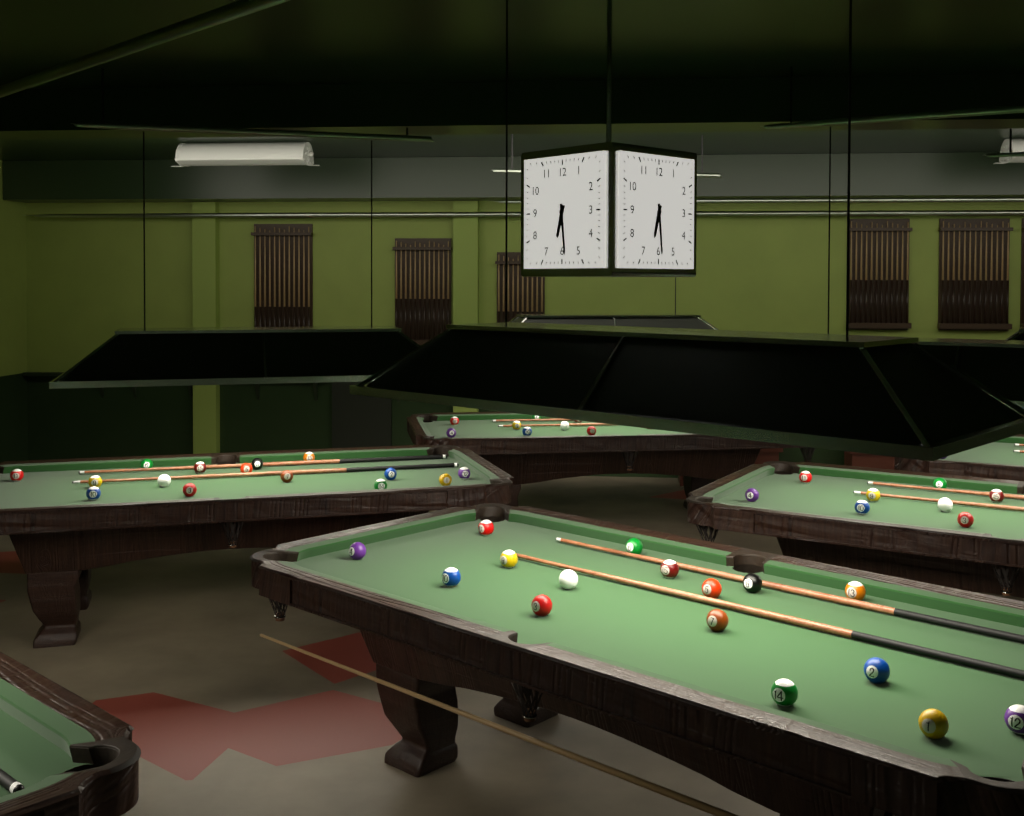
6 h 29 min
